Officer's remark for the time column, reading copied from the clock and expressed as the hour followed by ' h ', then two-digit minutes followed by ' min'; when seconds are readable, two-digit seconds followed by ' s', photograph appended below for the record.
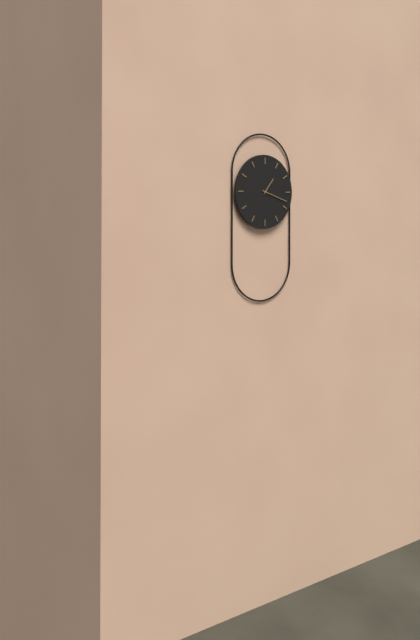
1 h 18 min
